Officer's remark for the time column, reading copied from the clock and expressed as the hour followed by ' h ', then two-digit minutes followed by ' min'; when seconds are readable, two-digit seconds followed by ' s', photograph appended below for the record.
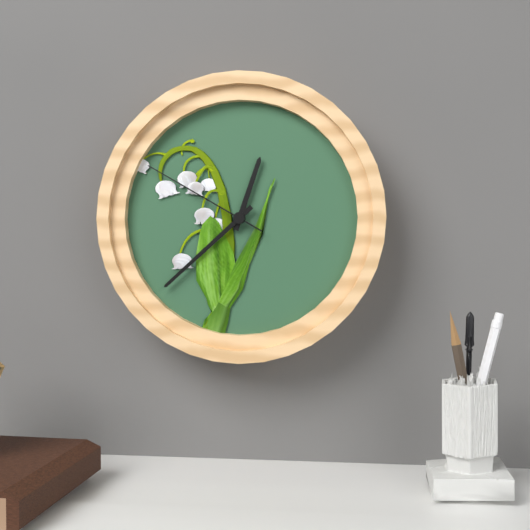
12 h 38 min 50 s
